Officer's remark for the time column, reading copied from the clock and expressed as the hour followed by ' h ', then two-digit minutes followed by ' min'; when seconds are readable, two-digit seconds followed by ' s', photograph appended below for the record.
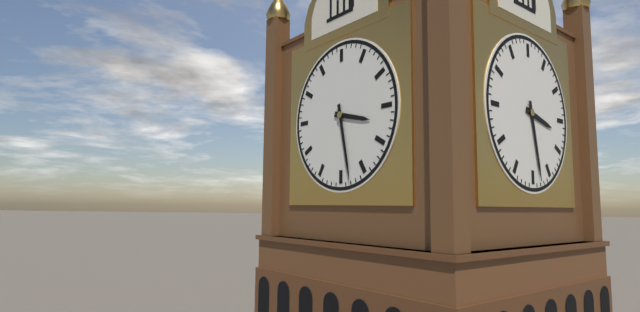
3 h 28 min
